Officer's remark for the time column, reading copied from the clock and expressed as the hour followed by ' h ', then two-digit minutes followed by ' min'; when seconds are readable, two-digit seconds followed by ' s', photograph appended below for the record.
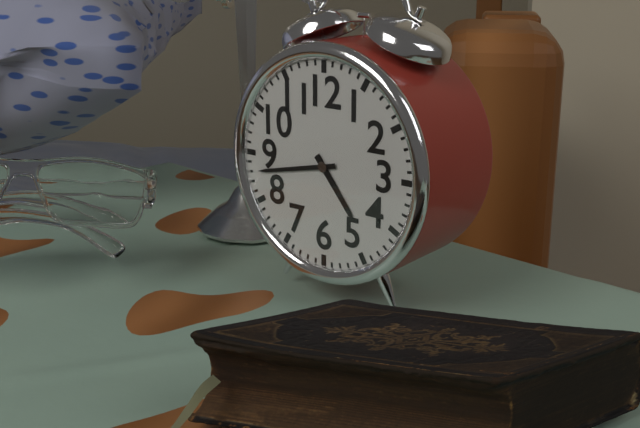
4 h 43 min
